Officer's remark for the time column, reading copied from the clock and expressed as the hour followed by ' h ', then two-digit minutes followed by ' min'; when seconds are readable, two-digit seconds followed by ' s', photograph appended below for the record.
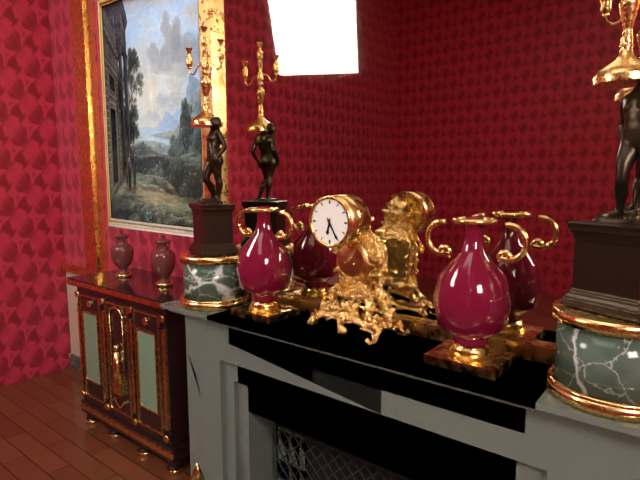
6 h 25 min
